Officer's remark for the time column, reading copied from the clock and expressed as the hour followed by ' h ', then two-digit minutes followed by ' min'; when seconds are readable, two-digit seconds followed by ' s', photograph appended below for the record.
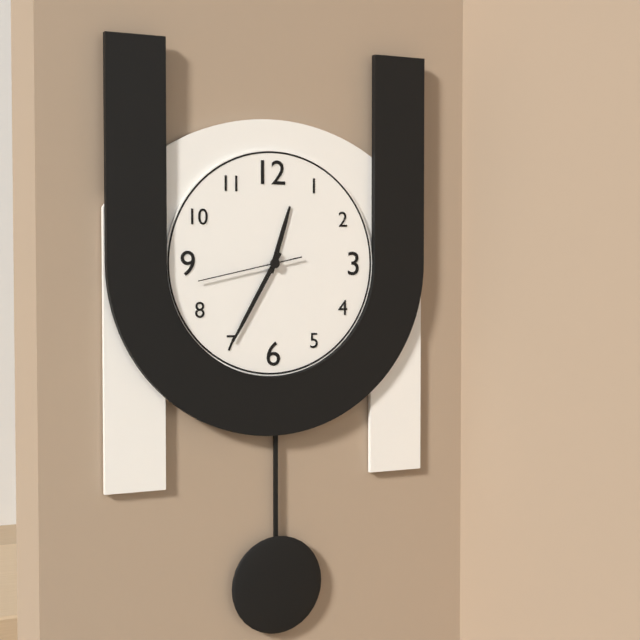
12 h 35 min 43 s
